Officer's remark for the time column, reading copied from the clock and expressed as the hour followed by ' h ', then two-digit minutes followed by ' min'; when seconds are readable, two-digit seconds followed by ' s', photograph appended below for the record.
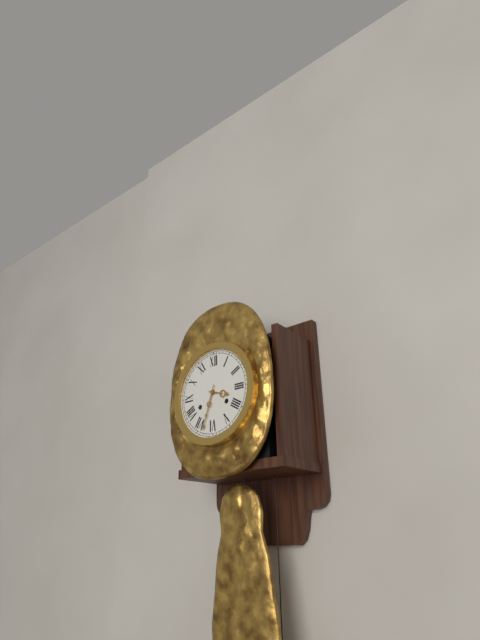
3 h 33 min
